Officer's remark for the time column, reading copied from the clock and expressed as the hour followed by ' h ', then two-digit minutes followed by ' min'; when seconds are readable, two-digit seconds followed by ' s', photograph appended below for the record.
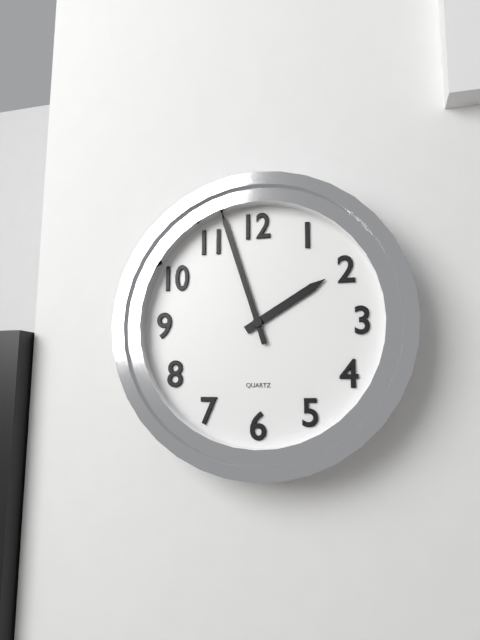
1 h 57 min
